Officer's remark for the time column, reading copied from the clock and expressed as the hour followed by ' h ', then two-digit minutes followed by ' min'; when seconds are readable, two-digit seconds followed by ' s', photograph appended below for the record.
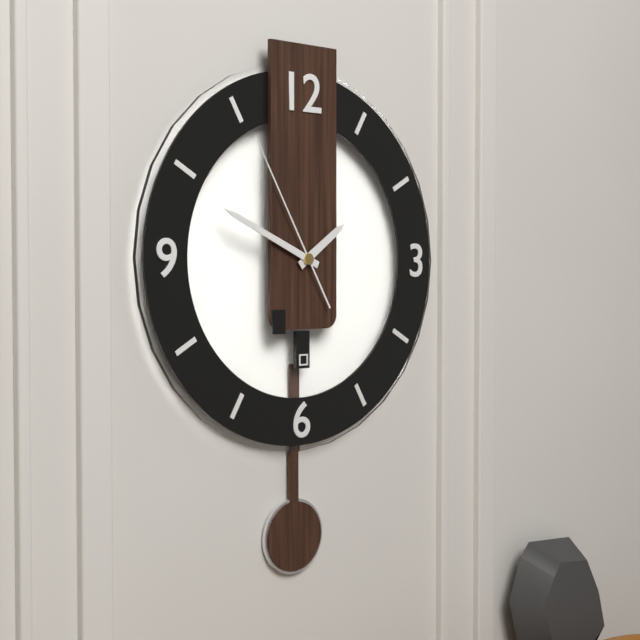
1 h 49 min 55 s
